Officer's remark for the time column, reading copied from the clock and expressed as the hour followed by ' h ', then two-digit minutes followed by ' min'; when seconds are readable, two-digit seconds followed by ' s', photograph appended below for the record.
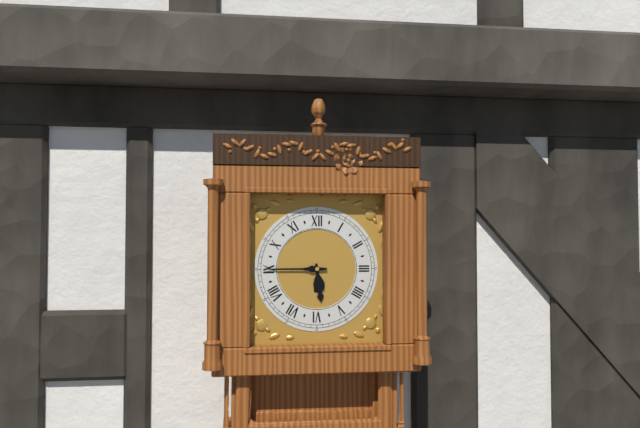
5 h 45 min
